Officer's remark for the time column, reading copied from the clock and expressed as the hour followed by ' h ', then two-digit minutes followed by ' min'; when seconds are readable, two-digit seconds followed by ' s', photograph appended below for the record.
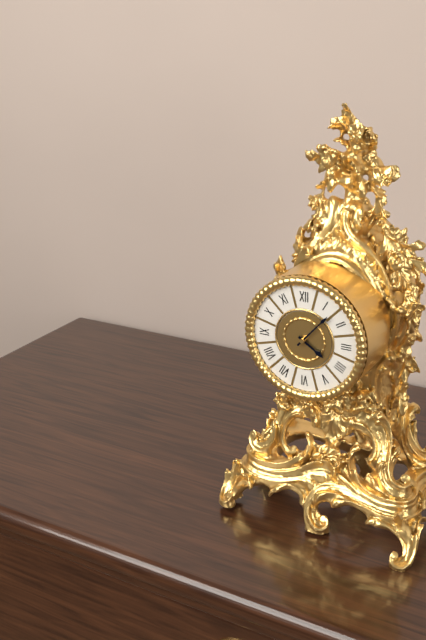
4 h 07 min
